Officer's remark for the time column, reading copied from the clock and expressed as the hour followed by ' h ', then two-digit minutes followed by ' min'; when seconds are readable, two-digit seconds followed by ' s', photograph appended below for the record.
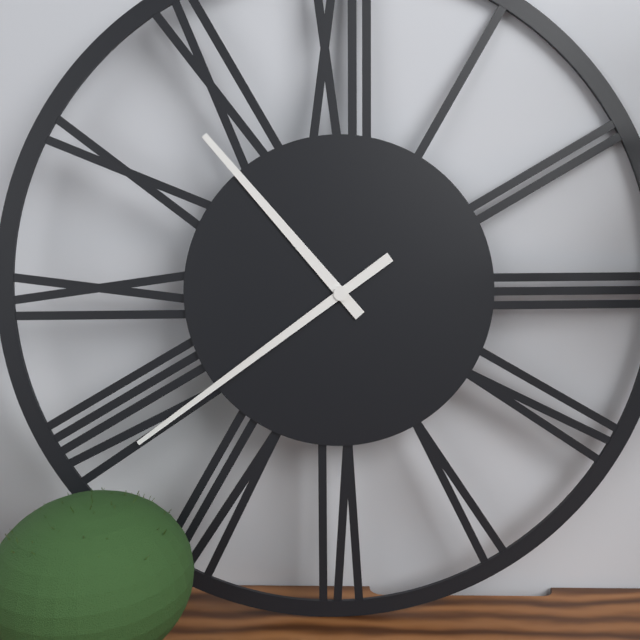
10 h 39 min
